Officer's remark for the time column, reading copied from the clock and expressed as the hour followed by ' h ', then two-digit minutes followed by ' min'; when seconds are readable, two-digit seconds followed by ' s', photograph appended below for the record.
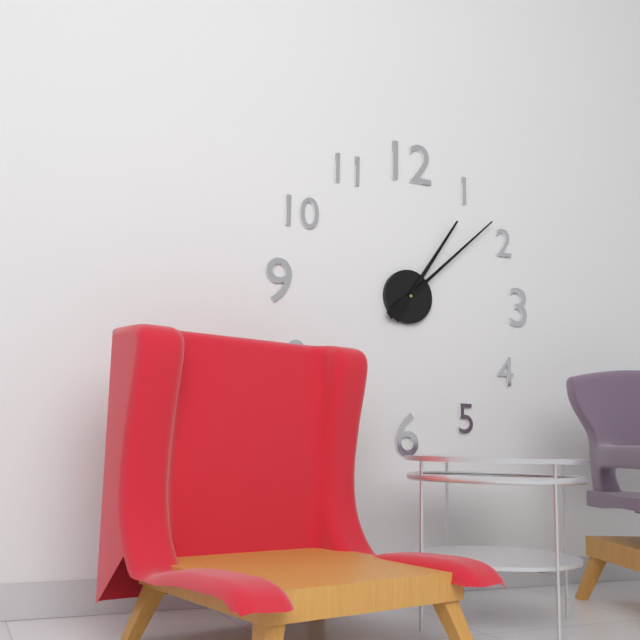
1 h 08 min
